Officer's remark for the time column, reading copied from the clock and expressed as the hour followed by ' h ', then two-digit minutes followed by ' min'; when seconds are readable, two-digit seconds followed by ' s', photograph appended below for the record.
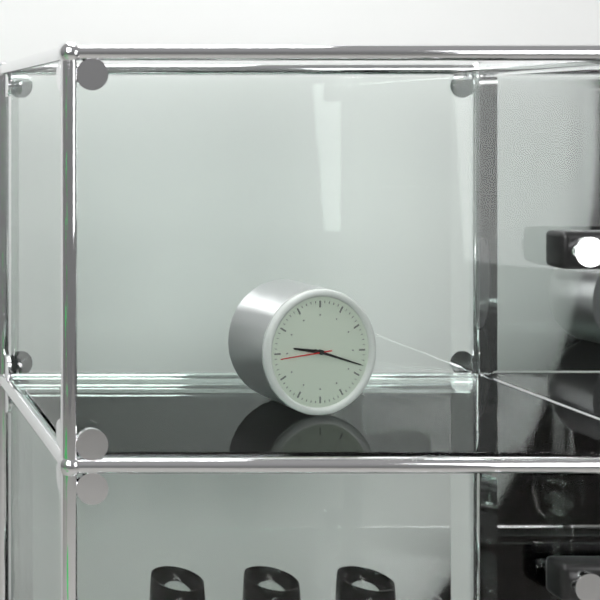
9 h 18 min
